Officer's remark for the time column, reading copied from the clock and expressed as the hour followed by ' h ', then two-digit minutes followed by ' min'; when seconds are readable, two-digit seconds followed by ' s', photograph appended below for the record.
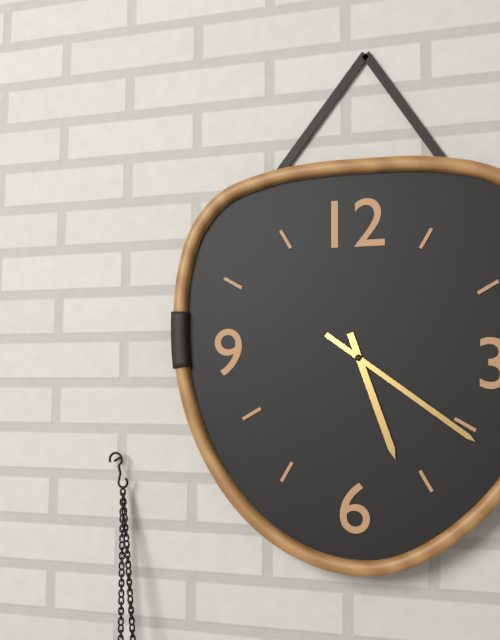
5 h 21 min
